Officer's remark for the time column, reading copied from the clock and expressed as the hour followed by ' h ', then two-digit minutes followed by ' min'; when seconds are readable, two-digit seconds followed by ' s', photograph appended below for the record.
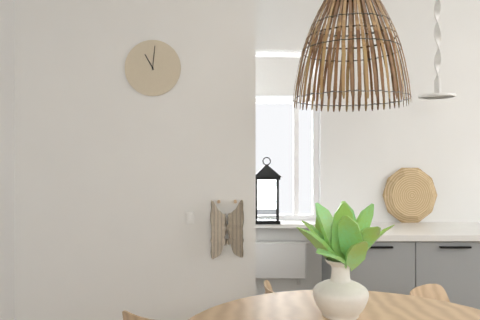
11 h 01 min
